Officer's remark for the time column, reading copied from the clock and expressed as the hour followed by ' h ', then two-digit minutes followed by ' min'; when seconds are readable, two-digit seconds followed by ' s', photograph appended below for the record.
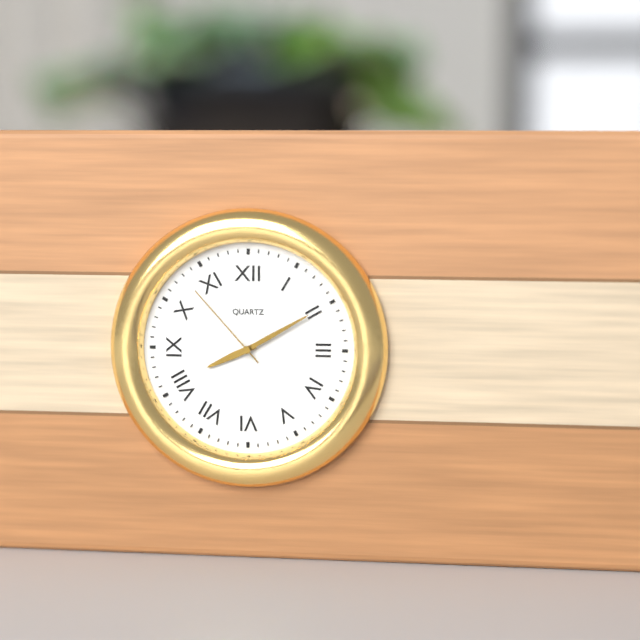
8 h 10 min 53 s
